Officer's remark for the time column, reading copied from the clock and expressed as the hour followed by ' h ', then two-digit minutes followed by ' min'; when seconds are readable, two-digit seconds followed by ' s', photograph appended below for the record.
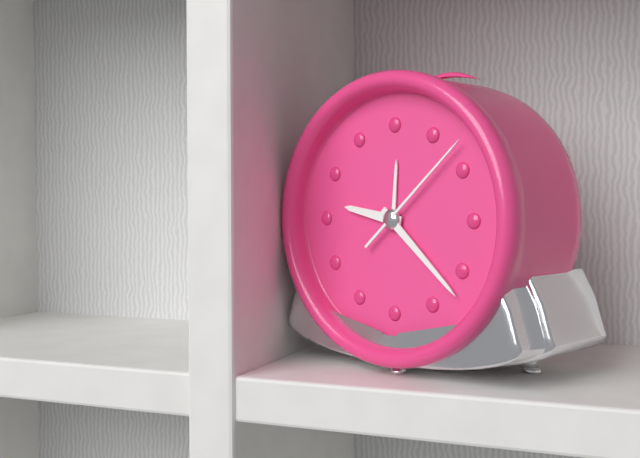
9 h 22 min 08 s
